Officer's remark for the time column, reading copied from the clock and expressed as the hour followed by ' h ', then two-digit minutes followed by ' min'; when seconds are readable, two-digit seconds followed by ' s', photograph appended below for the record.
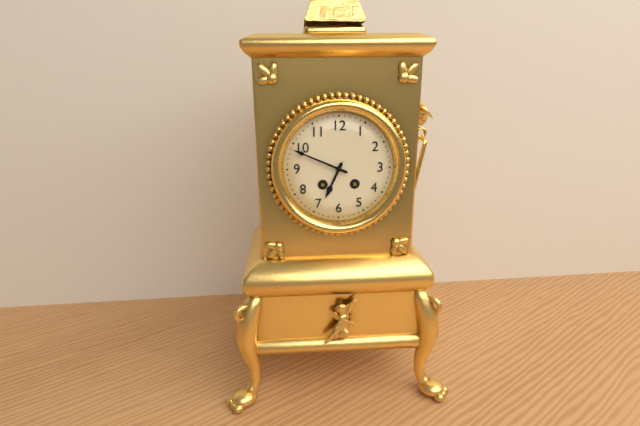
6 h 49 min
